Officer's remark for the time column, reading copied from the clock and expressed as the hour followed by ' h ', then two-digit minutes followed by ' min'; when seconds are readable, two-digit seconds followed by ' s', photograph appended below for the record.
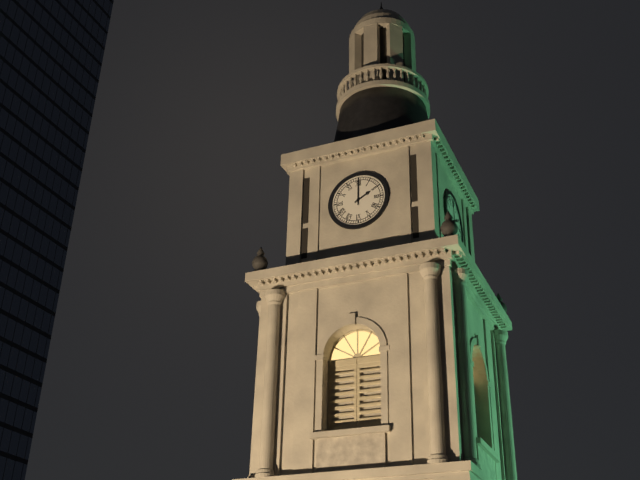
2 h 00 min
